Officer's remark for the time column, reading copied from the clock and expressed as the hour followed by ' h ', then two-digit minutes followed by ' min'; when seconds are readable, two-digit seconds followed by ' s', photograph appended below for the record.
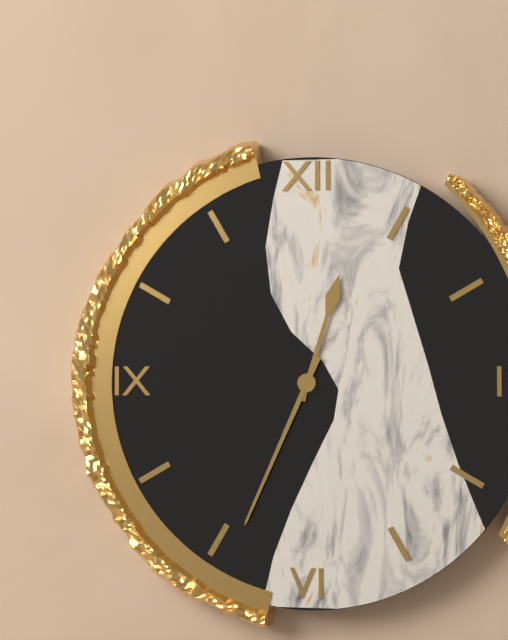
12 h 34 min
